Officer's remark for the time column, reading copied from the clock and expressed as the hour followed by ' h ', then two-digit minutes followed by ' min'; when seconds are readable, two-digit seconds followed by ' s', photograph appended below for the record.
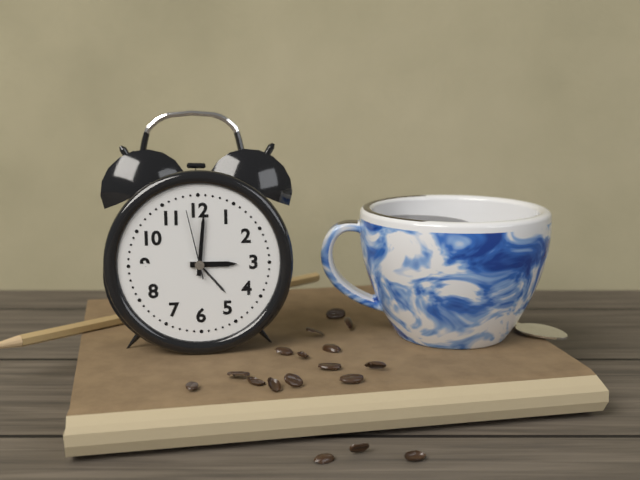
3 h 01 min 58 s
